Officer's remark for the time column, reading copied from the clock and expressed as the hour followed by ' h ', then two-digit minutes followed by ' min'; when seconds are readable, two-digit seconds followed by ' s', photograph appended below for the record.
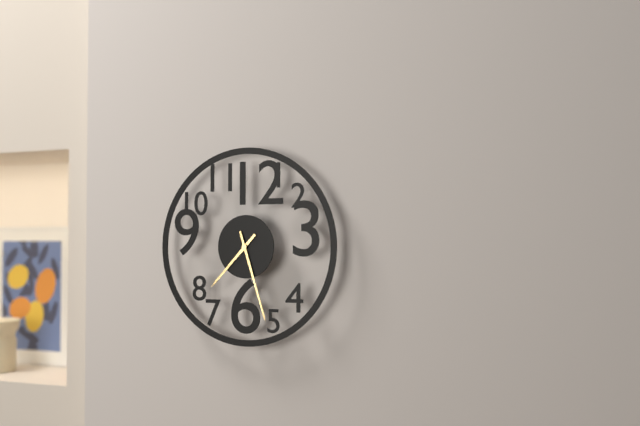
7 h 27 min
